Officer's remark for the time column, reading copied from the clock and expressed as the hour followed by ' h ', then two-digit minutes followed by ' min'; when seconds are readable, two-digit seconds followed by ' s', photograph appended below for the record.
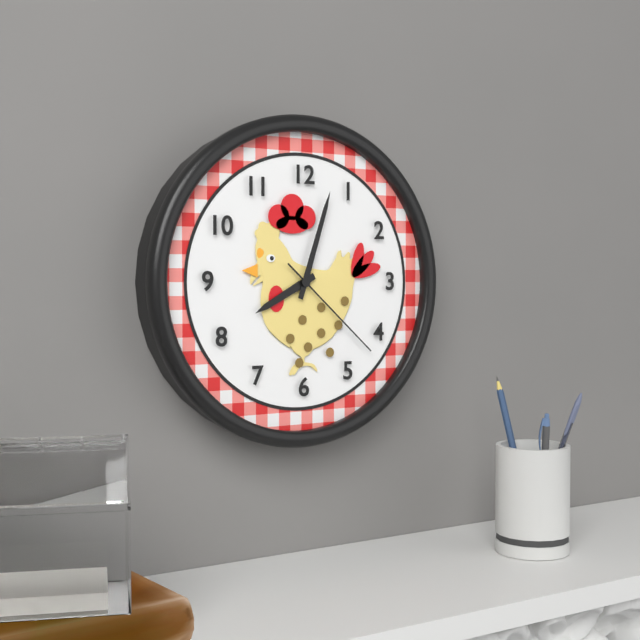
8 h 03 min 22 s
